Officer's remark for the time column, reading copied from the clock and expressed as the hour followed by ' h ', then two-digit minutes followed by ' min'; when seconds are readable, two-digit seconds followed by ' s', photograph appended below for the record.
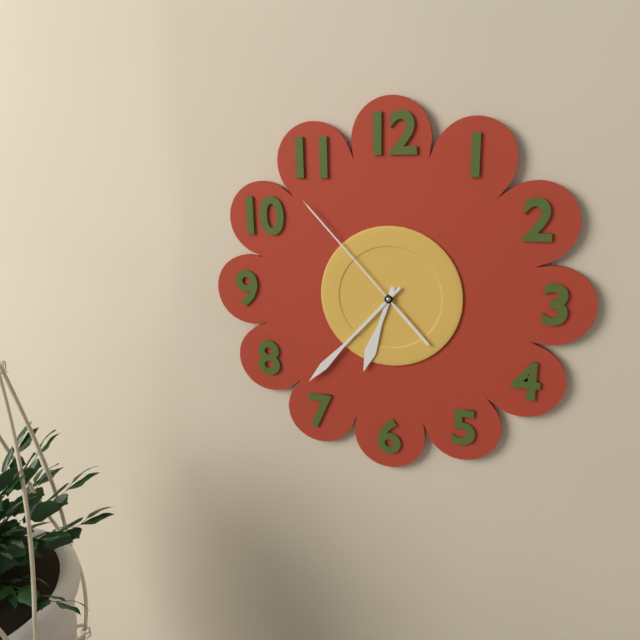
6 h 37 min 53 s
